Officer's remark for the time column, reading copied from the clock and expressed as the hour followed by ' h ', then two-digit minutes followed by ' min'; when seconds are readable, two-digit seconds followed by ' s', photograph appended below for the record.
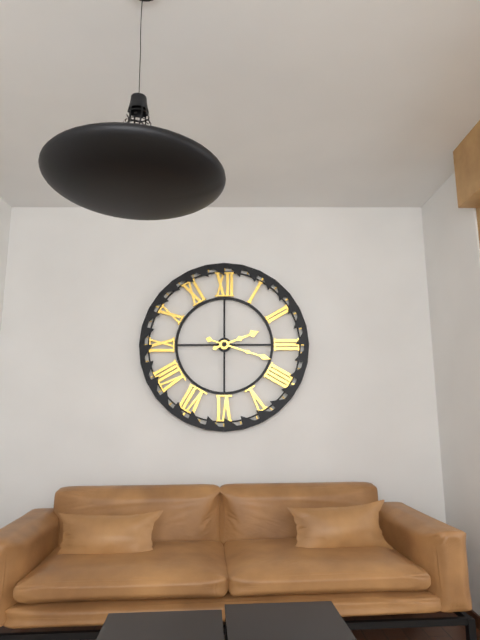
2 h 18 min
